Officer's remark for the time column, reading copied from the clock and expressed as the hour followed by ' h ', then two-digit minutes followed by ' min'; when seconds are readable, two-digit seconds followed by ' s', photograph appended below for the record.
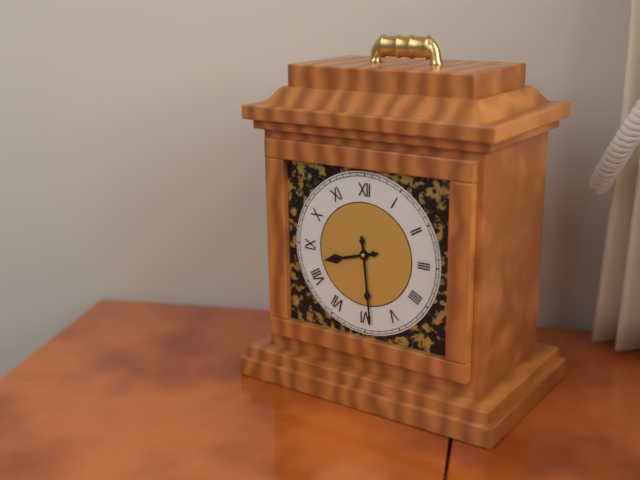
8 h 29 min
